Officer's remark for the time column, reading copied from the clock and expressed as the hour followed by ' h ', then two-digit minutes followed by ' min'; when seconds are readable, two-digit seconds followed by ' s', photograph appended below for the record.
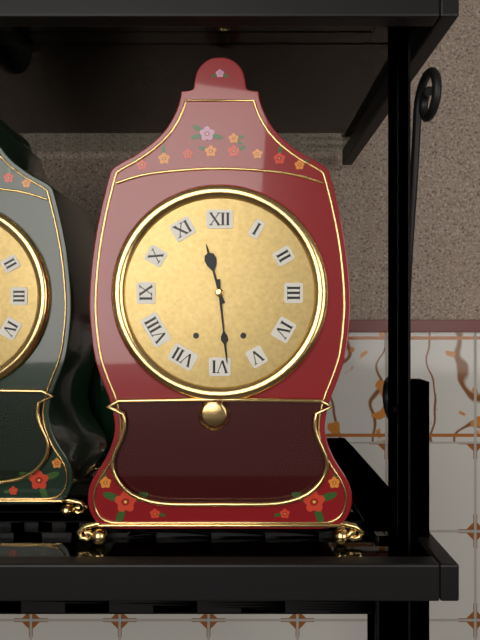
11 h 29 min
